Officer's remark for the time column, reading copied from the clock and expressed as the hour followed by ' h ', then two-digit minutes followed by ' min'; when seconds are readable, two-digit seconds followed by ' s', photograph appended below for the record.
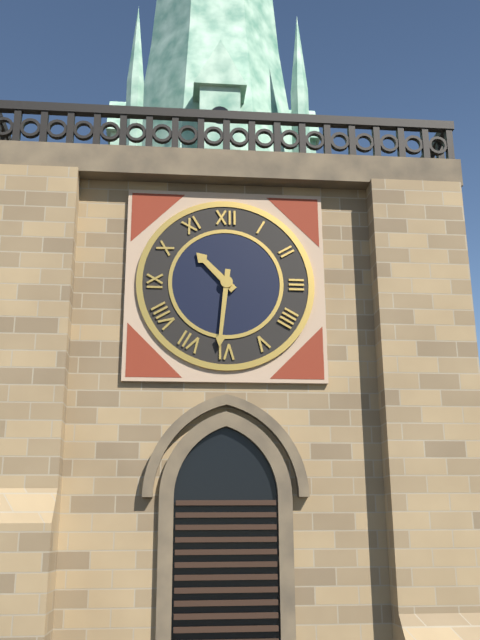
10 h 31 min
